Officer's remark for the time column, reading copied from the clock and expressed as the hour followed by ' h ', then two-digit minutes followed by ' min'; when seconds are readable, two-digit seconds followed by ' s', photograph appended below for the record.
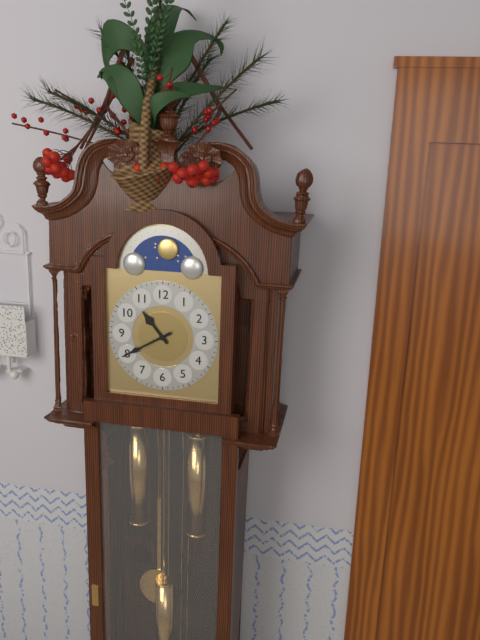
10 h 40 min
